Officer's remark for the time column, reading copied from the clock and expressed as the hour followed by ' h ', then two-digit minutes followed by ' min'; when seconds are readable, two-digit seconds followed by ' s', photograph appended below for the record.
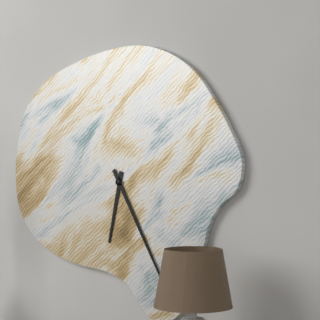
6 h 25 min
